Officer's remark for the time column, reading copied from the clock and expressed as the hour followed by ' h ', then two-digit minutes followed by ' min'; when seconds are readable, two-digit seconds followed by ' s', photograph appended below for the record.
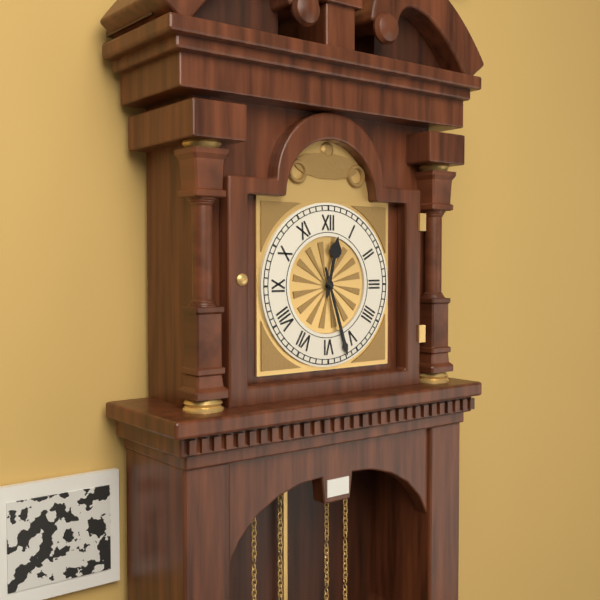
12 h 27 min
